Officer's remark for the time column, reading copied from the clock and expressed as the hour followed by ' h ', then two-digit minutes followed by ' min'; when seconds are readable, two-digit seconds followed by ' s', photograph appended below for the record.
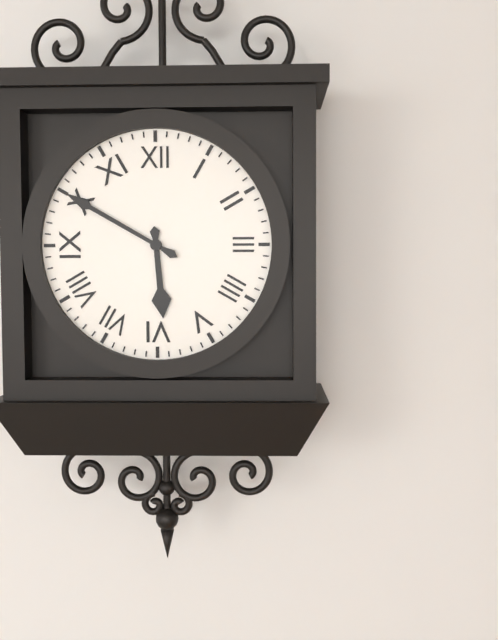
5 h 50 min
